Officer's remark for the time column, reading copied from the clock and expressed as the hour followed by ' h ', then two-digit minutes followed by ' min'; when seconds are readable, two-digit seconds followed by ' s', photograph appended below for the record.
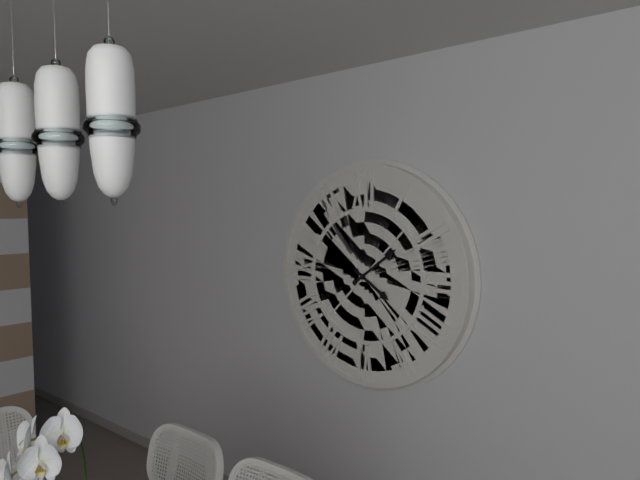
4 h 09 min
